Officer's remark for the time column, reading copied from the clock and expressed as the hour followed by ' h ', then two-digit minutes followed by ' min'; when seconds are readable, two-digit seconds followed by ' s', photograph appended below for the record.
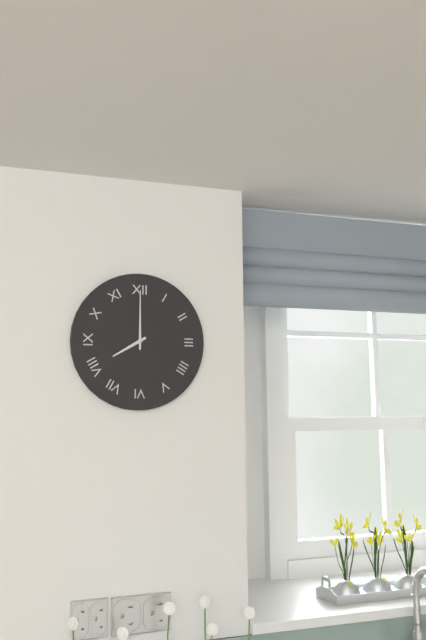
8 h 00 min
